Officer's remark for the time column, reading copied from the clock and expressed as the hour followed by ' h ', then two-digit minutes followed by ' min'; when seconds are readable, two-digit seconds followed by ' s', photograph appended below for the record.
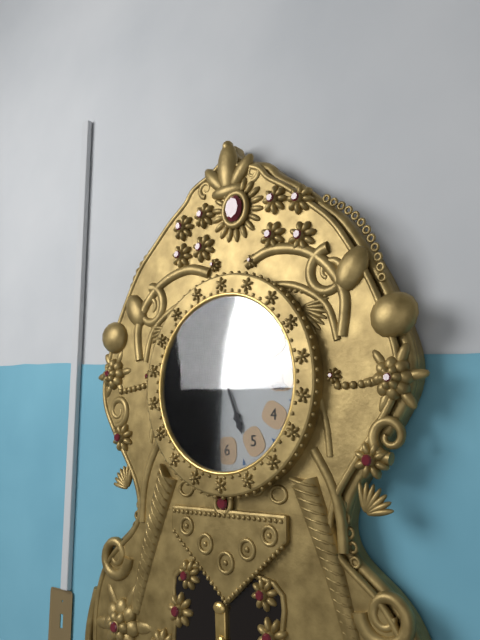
5 h 16 min
